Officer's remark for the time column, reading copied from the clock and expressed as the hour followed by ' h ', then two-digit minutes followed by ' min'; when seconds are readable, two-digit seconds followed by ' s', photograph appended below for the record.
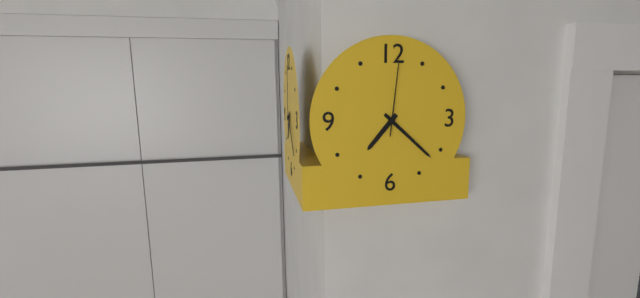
7 h 22 min 01 s
